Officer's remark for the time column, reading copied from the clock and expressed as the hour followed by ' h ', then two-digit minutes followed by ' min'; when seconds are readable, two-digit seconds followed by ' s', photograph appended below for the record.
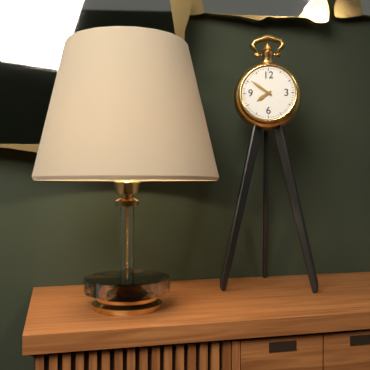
7 h 51 min
